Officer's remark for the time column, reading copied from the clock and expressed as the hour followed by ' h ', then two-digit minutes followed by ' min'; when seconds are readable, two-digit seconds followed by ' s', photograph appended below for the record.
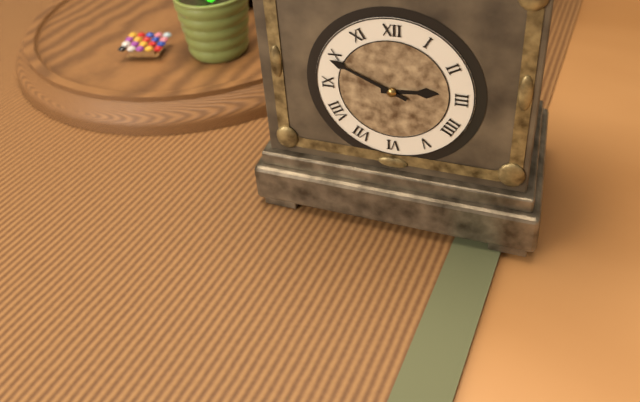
2 h 49 min
